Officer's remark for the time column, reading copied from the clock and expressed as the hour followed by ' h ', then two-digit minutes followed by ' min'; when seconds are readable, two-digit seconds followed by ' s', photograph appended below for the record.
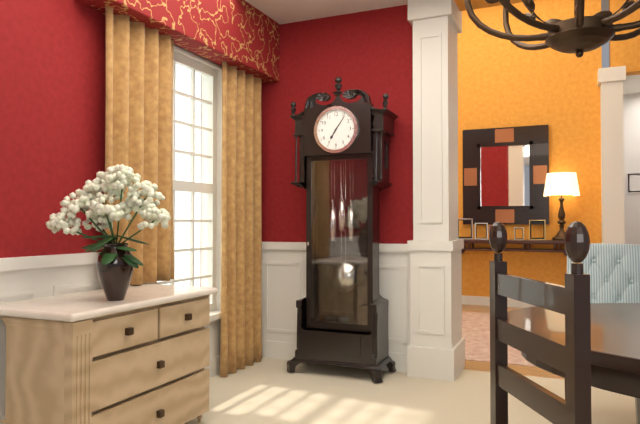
7 h 06 min
